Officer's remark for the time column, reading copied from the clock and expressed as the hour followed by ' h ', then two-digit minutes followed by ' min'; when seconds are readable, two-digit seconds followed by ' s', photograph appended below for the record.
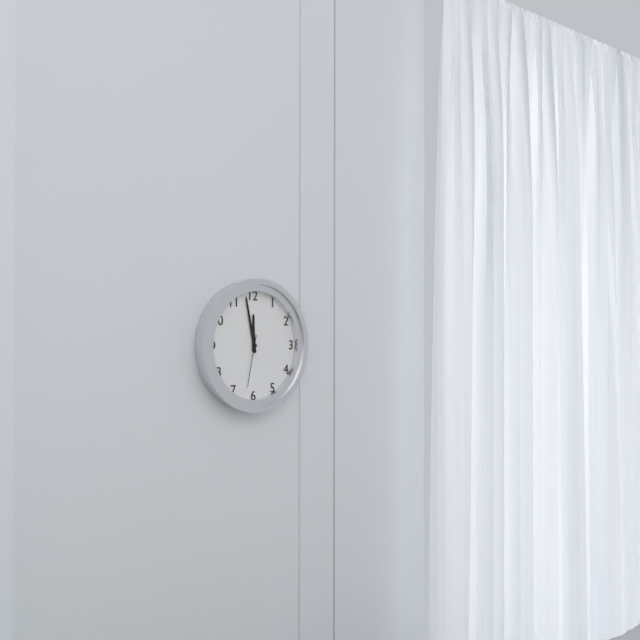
11 h 58 min 32 s
